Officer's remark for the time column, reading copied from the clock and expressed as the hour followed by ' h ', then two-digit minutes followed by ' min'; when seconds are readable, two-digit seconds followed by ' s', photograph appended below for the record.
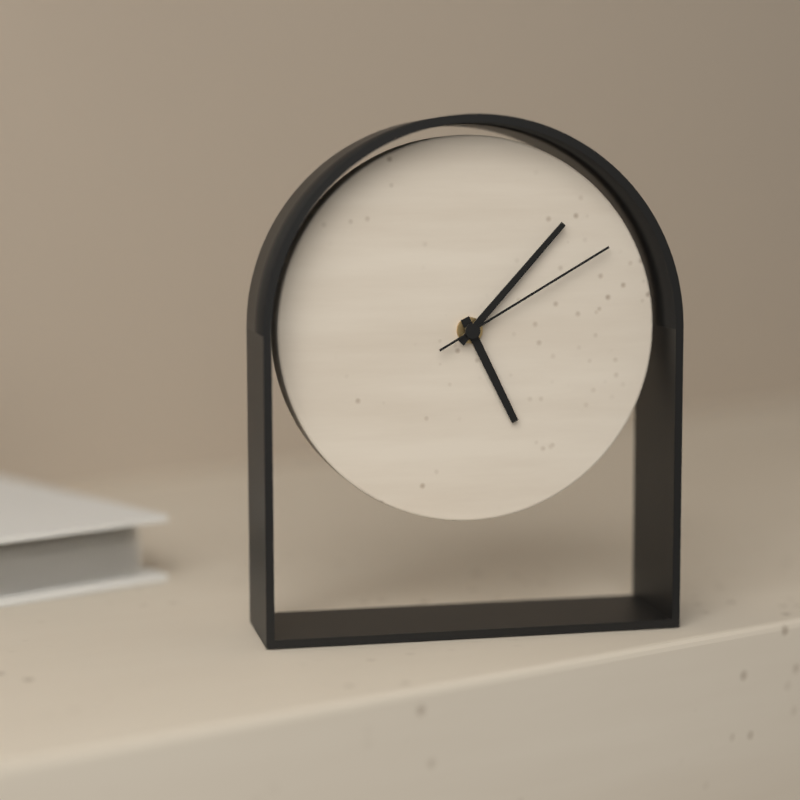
5 h 07 min 10 s
